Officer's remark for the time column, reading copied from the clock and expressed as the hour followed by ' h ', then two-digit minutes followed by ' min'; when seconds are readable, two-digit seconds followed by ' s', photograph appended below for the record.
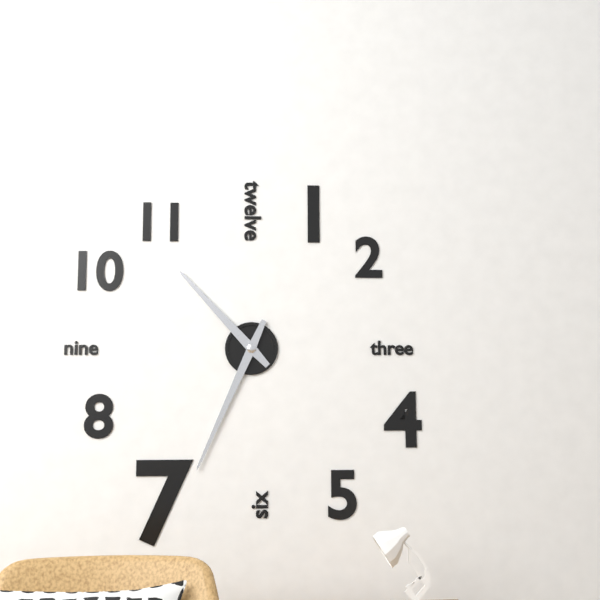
10 h 34 min
